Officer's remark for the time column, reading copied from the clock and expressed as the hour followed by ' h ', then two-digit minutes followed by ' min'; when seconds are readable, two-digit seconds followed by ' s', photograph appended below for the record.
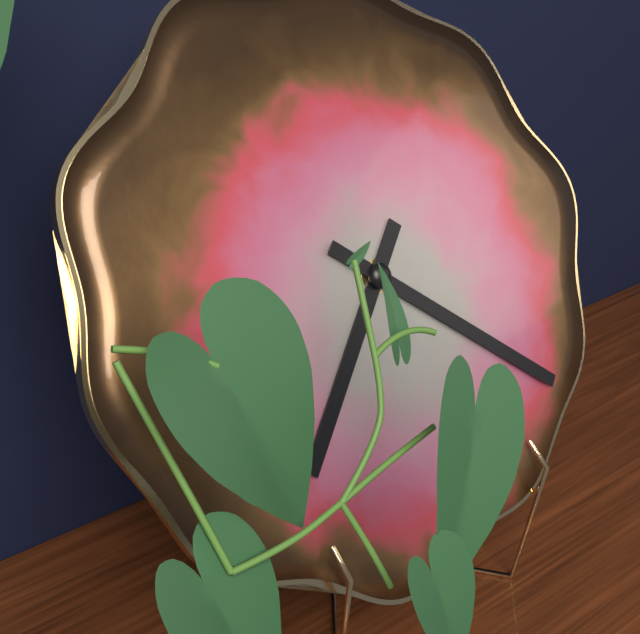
7 h 22 min
